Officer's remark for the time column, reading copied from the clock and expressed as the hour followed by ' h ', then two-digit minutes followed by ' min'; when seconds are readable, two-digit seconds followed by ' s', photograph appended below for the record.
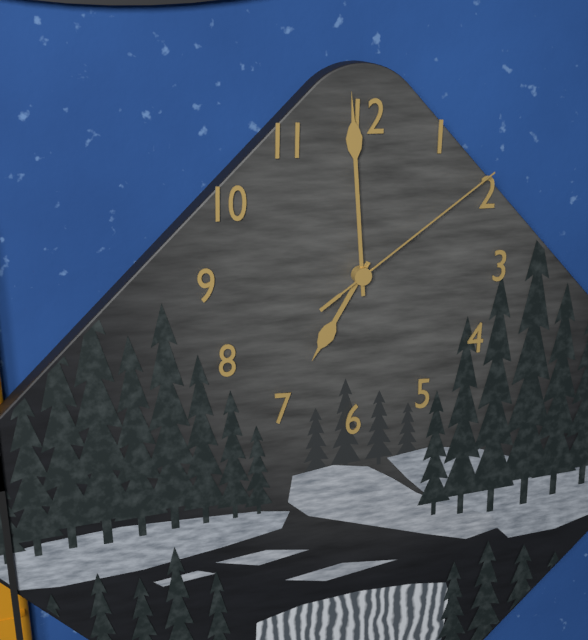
6 h 59 min 09 s
